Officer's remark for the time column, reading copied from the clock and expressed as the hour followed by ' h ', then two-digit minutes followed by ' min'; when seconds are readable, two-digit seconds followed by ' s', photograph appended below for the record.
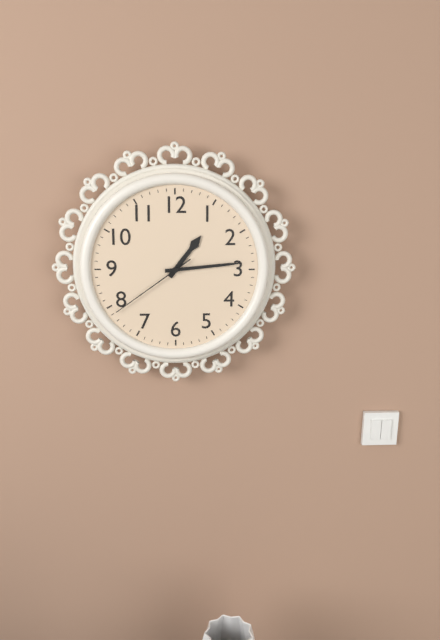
1 h 14 min 39 s
